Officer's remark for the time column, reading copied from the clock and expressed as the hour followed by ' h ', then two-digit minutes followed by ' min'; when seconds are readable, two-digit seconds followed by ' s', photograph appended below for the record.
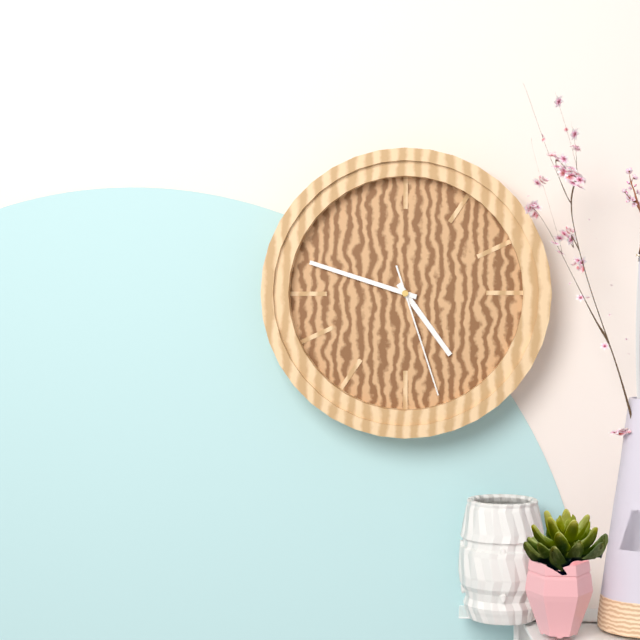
4 h 48 min 27 s
